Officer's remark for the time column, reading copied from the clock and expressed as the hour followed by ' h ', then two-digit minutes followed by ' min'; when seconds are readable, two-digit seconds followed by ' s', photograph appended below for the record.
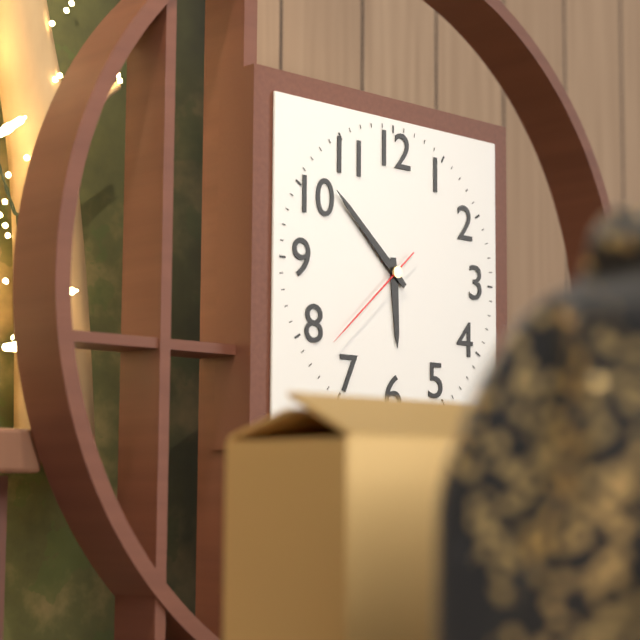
5 h 52 min 38 s
